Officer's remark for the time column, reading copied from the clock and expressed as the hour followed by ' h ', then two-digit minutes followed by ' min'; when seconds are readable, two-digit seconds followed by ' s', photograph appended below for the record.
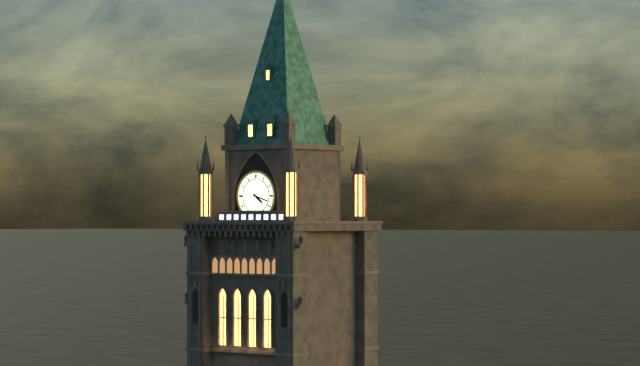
4 h 18 min
